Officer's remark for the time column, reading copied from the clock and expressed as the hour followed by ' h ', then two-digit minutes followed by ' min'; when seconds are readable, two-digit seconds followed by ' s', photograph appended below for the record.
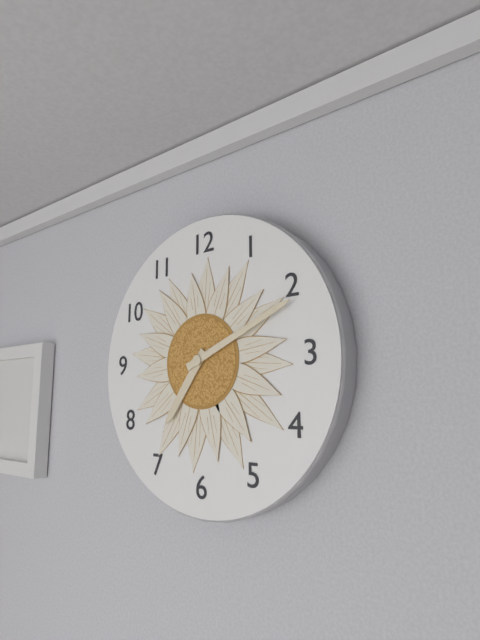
7 h 11 min
